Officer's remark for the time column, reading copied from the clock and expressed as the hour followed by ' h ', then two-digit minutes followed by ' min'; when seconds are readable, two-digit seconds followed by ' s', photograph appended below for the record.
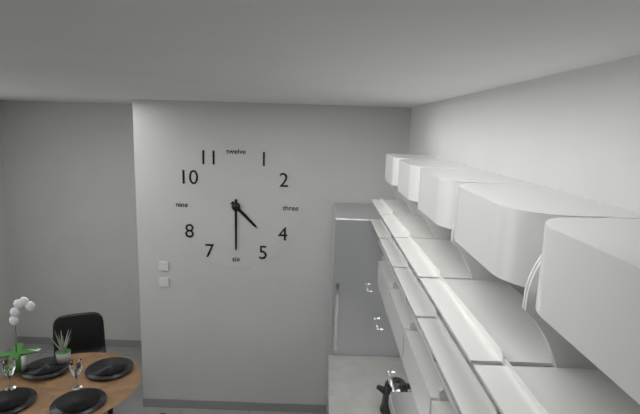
4 h 30 min
